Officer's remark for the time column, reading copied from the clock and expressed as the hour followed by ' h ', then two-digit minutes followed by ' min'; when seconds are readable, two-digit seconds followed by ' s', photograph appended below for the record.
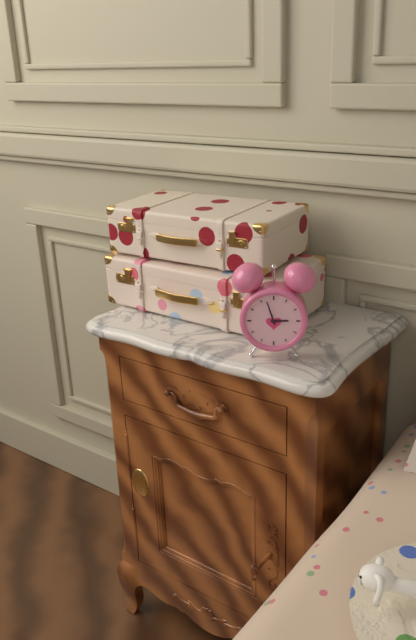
2 h 57 min
